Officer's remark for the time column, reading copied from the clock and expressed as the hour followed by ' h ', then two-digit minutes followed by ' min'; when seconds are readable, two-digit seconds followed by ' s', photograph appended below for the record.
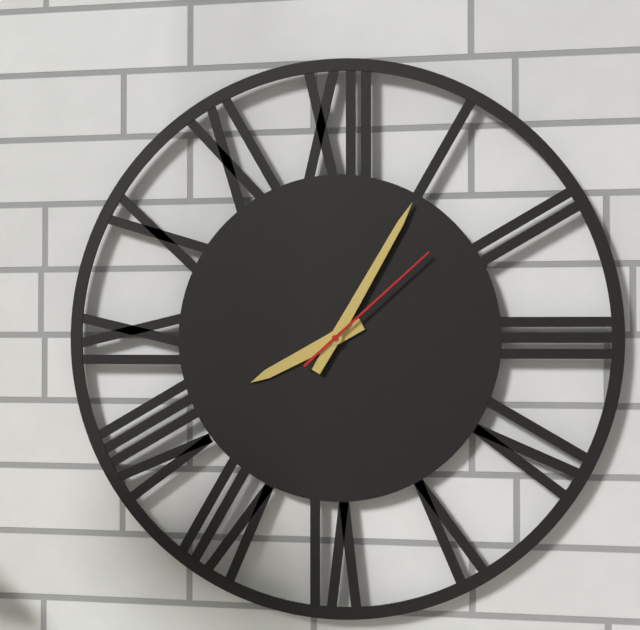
8 h 05 min 08 s
